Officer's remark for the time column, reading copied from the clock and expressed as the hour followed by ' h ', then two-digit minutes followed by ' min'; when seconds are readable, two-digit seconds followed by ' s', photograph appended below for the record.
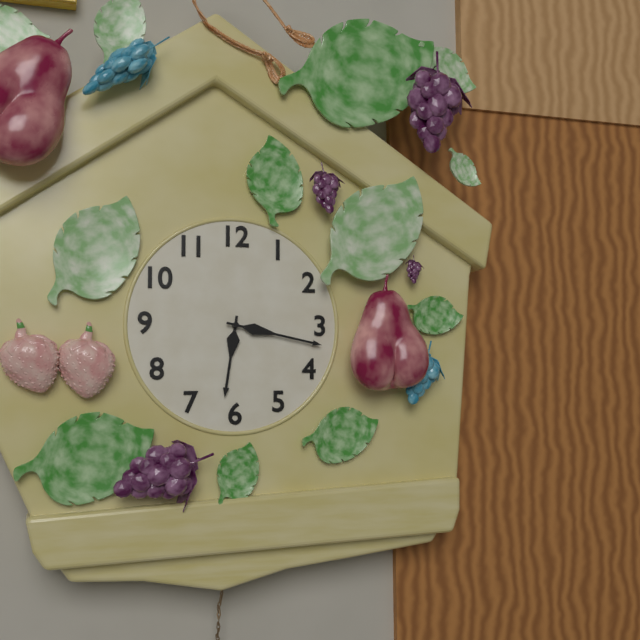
6 h 17 min
